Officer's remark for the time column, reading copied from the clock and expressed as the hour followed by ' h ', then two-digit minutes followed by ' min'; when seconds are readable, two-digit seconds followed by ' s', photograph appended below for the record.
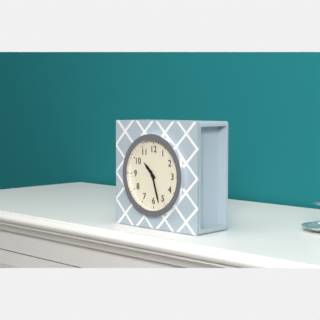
10 h 27 min
